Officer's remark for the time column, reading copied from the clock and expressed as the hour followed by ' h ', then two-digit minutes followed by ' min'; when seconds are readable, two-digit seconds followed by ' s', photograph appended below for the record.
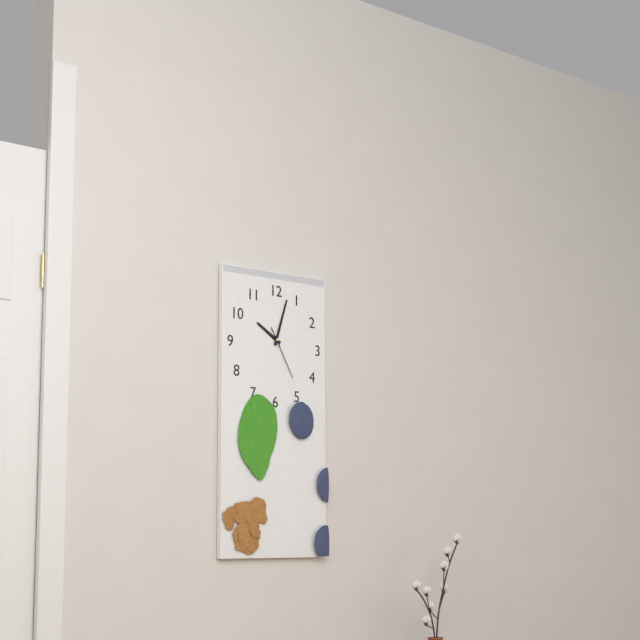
10 h 03 min 25 s
